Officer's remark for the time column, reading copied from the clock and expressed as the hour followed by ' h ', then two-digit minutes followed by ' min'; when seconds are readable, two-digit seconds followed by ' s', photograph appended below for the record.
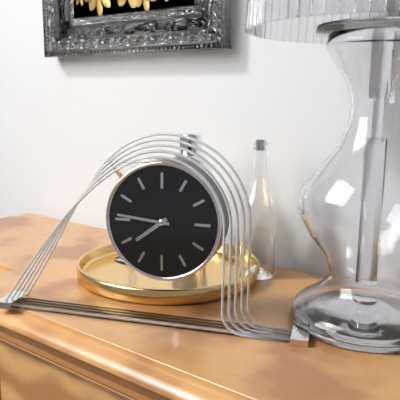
7 h 46 min
